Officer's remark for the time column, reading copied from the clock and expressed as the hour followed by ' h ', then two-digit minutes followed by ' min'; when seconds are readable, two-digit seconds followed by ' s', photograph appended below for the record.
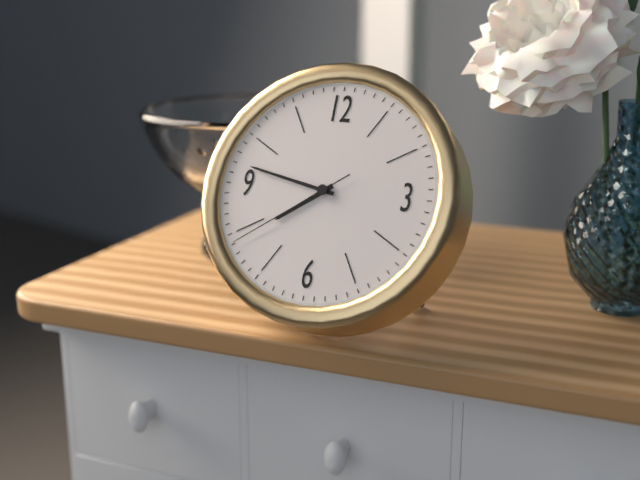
7 h 47 min 39 s
